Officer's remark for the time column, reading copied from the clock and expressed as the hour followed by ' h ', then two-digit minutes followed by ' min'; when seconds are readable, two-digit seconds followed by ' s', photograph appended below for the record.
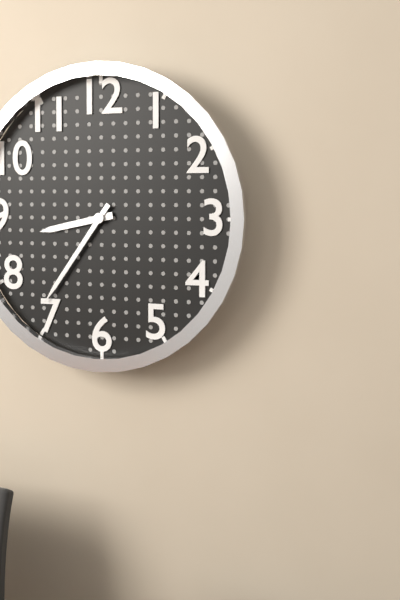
8 h 36 min
